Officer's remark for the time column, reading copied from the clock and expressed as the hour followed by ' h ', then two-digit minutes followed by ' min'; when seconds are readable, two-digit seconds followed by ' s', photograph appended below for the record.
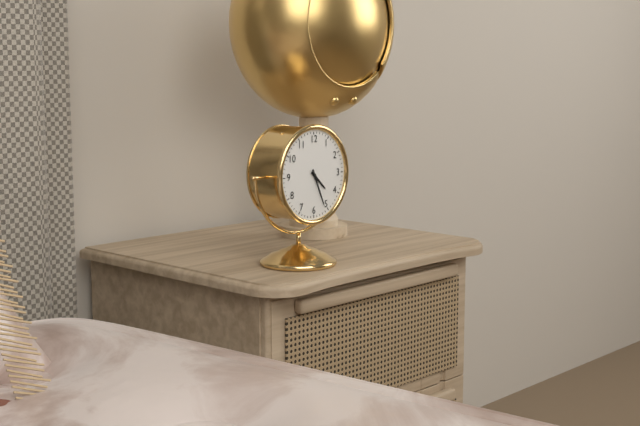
4 h 26 min
